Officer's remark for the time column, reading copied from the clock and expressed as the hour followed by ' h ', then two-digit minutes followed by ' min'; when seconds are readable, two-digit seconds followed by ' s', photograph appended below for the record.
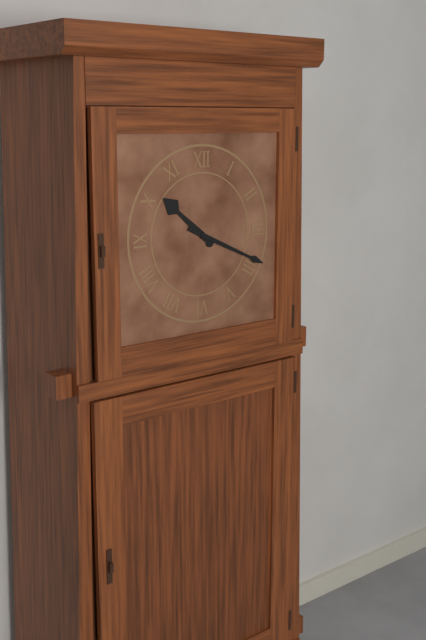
10 h 19 min
